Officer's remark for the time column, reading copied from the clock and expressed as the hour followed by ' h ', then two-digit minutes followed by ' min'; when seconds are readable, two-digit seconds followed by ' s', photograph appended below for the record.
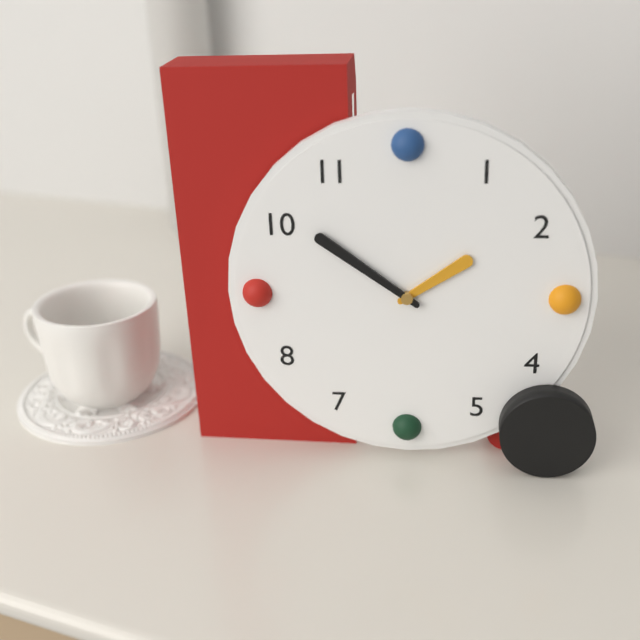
1 h 51 min
